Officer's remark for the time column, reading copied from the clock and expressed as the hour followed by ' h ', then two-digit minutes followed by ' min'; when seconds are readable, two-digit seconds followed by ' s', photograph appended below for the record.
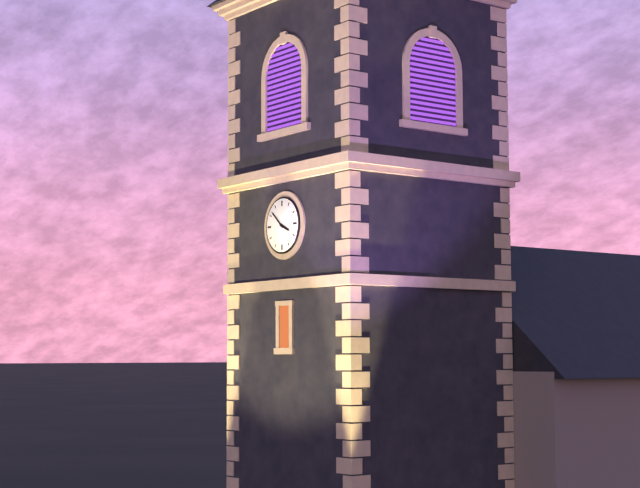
3 h 52 min
